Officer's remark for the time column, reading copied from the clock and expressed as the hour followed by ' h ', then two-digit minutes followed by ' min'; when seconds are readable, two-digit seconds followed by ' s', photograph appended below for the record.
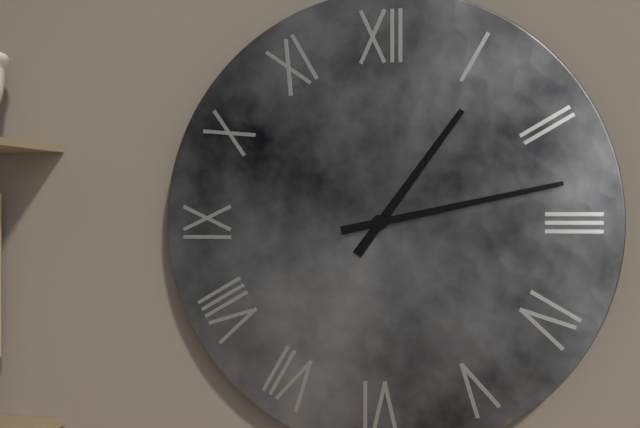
1 h 13 min
